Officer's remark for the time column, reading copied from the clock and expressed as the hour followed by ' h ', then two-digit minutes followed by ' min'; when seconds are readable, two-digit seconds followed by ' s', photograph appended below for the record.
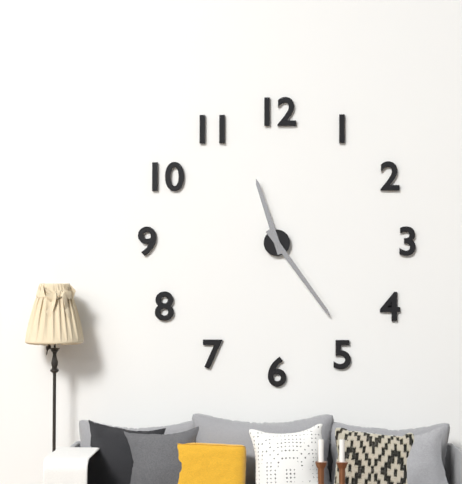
11 h 24 min
